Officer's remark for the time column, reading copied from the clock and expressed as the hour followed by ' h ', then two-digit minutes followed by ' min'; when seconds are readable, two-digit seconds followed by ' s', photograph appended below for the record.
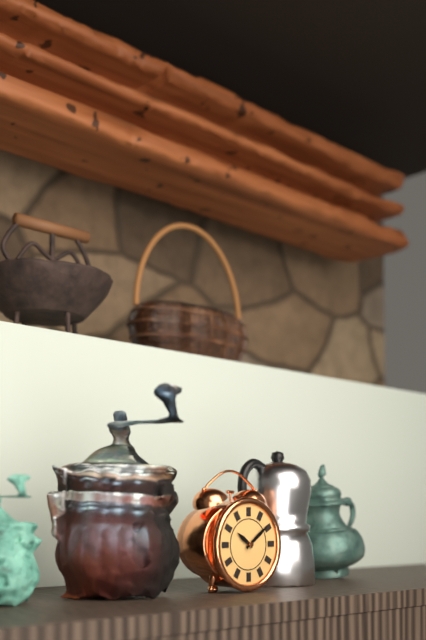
10 h 09 min
